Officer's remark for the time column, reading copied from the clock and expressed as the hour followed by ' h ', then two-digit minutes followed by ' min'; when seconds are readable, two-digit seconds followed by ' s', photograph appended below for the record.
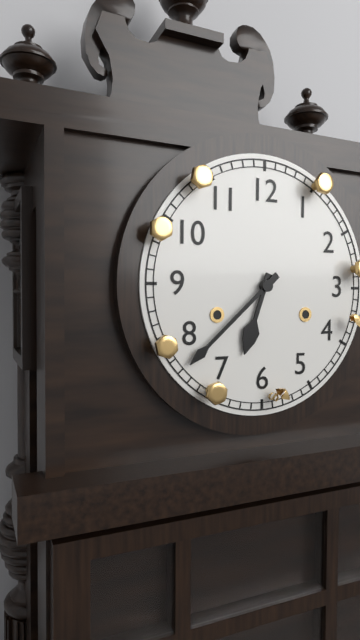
6 h 38 min
